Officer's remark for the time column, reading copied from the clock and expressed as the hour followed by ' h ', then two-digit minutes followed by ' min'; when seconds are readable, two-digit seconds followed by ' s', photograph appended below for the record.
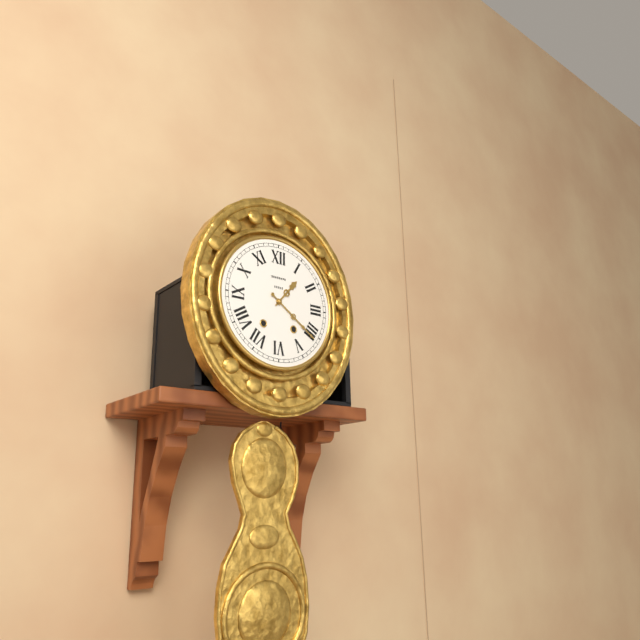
1 h 21 min
